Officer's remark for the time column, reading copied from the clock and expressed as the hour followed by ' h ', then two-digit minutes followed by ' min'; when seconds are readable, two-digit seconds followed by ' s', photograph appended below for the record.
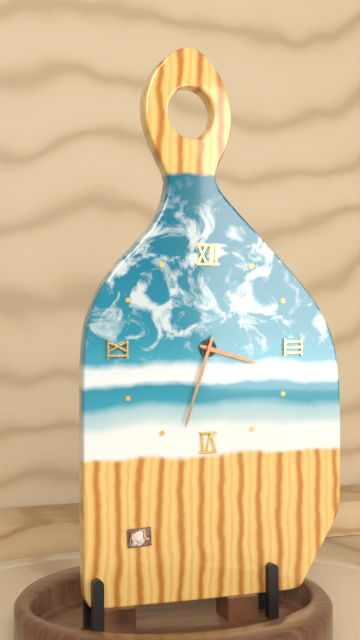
3 h 33 min
